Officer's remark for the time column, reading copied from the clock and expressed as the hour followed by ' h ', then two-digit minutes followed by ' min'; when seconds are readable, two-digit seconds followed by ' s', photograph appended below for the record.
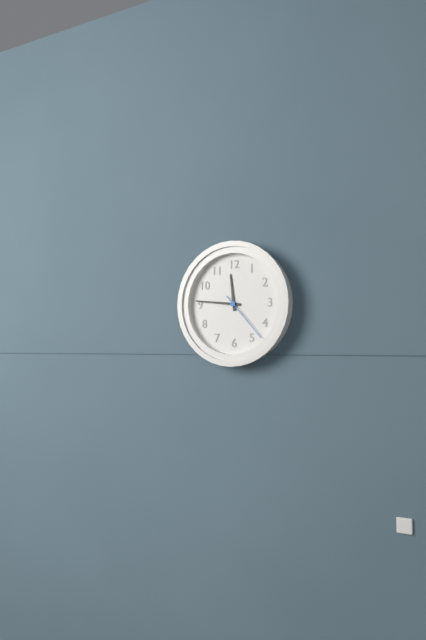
11 h 46 min 23 s
